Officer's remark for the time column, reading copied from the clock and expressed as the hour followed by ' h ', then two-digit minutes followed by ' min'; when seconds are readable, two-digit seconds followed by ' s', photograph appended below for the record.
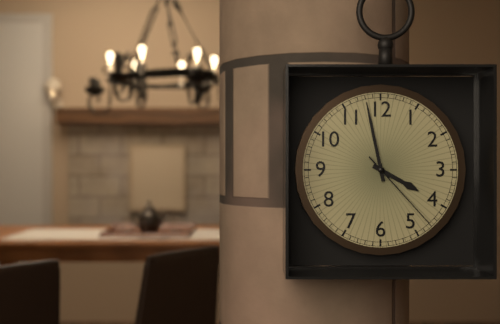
3 h 58 min 23 s
